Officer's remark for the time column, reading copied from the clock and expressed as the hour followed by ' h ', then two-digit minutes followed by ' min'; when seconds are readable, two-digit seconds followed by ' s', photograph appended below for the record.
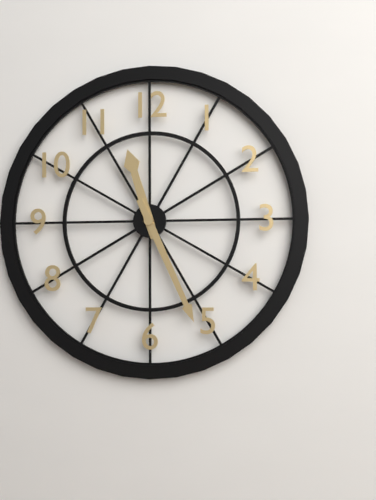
11 h 26 min
